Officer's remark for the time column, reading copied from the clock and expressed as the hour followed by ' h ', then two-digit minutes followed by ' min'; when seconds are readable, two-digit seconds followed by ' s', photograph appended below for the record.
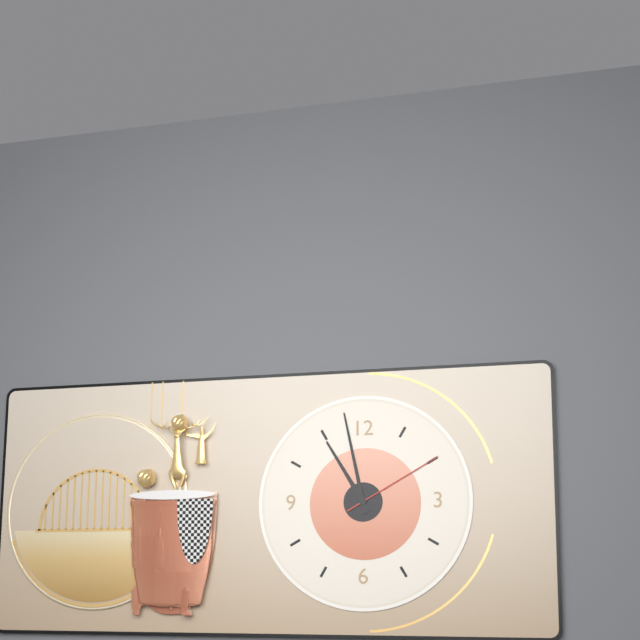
10 h 58 min 10 s
